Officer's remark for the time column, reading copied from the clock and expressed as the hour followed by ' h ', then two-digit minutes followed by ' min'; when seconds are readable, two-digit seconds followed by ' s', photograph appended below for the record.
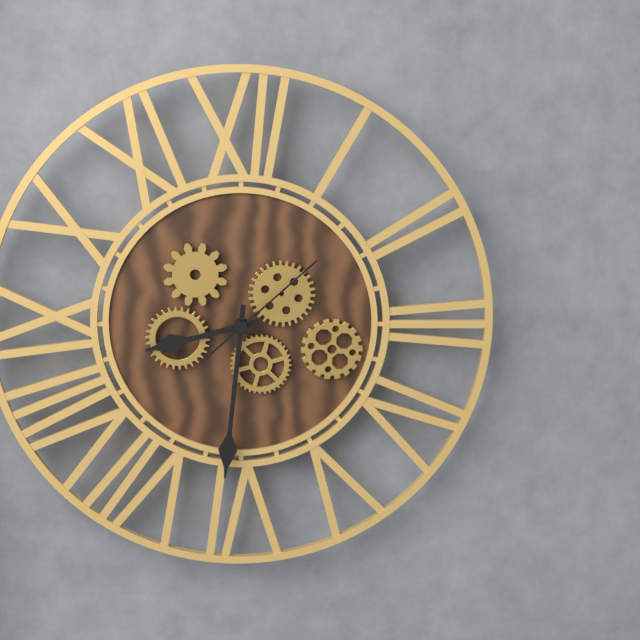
8 h 31 min 08 s
